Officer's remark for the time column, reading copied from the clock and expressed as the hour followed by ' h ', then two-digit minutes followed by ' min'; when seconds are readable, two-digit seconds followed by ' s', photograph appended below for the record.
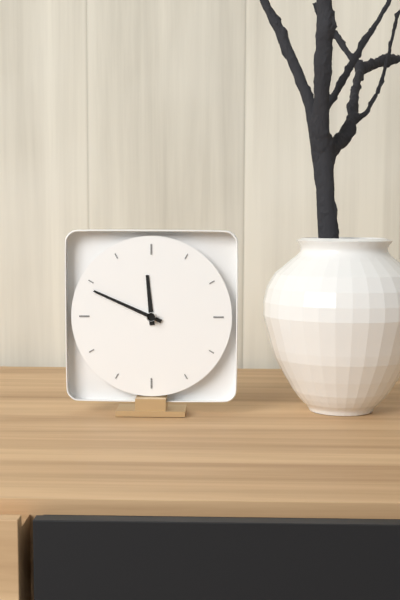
11 h 49 min
